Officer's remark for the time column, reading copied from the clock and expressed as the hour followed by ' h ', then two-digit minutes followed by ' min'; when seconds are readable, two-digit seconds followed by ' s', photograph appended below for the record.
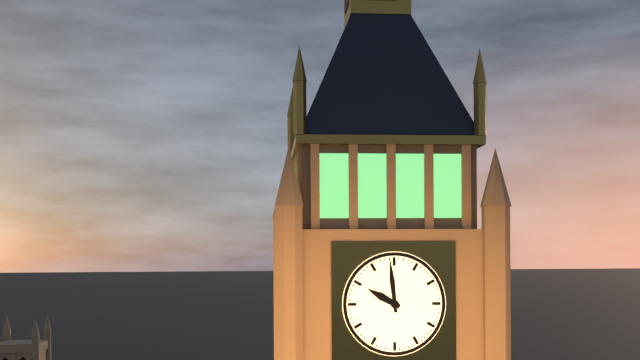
9 h 59 min
